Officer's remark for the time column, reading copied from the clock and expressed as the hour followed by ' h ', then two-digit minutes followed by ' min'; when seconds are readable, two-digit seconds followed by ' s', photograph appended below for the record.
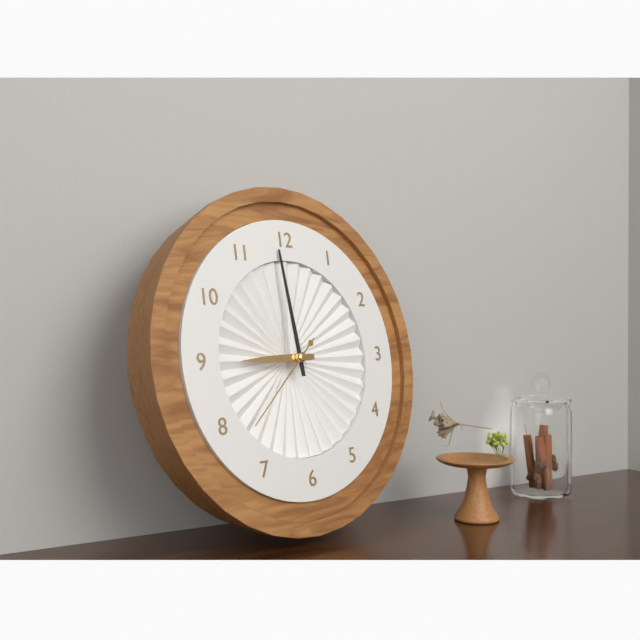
8 h 59 min 38 s
